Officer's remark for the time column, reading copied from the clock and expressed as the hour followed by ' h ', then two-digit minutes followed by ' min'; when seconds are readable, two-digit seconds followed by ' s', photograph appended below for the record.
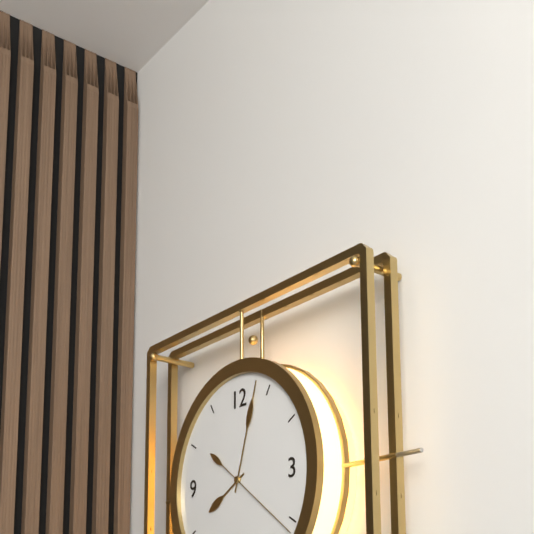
8 h 03 min 21 s
